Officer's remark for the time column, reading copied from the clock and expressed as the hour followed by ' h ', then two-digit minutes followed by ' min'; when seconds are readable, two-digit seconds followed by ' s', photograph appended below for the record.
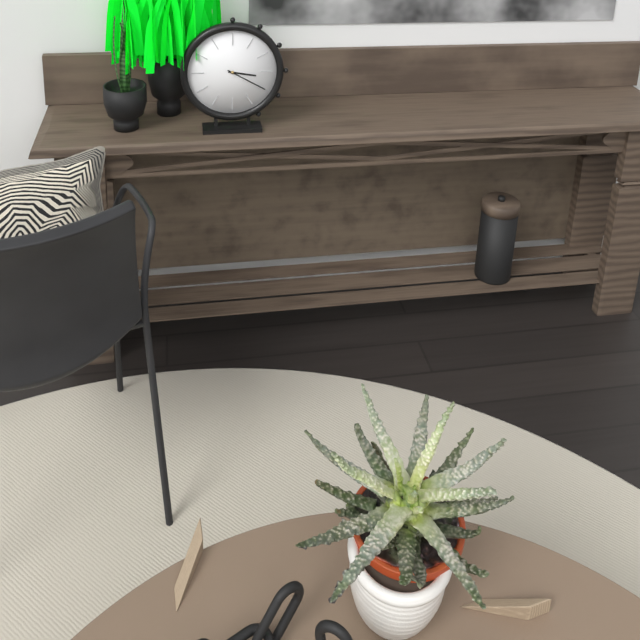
3 h 20 min
